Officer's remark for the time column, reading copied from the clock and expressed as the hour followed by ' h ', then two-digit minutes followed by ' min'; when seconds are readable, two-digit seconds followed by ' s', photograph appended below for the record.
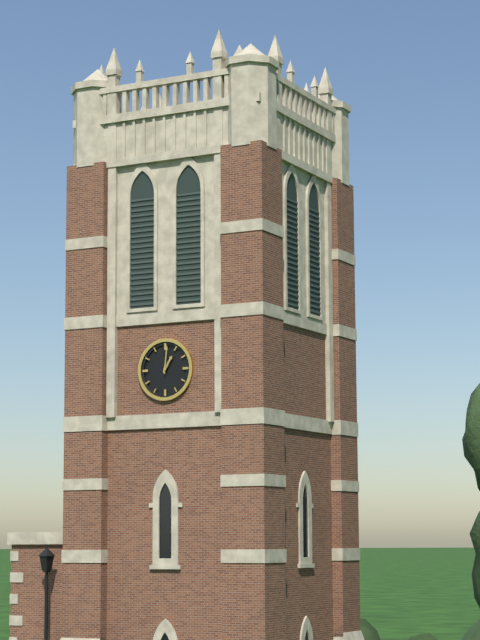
1 h 01 min
